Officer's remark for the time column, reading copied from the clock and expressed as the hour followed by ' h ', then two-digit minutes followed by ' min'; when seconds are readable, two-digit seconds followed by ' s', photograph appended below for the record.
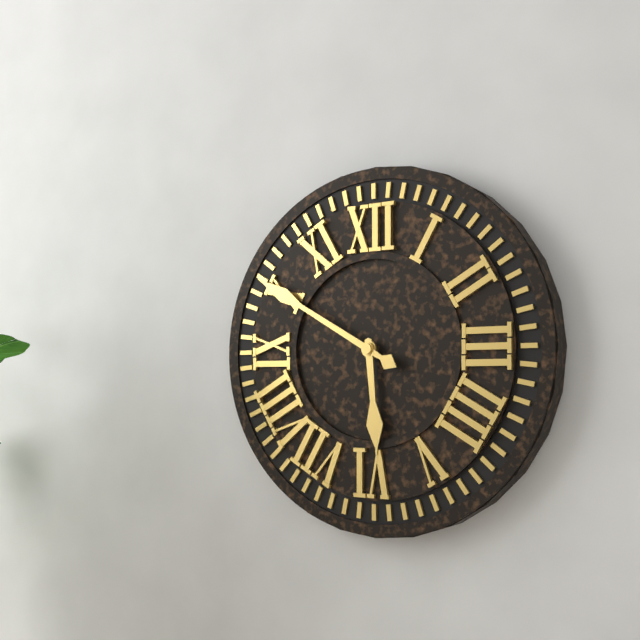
5 h 50 min
